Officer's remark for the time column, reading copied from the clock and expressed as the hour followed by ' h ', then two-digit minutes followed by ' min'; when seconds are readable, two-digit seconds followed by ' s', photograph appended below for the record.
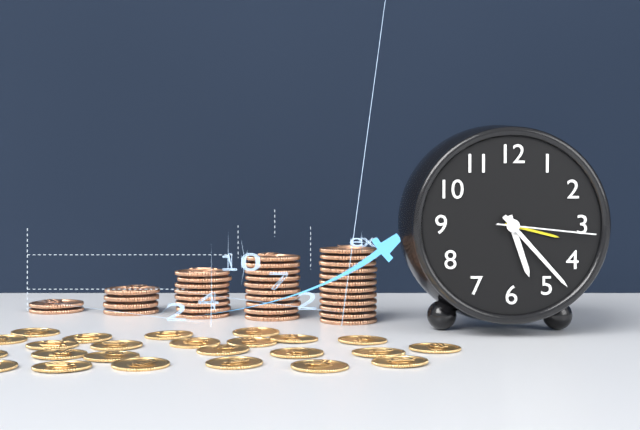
5 h 23 min 16 s
